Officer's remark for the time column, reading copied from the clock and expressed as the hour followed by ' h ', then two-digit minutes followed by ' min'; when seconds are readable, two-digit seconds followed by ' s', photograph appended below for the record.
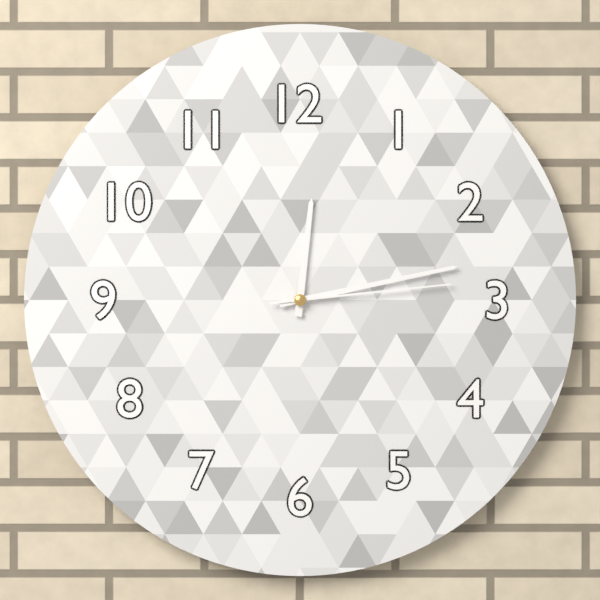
12 h 13 min 14 s
